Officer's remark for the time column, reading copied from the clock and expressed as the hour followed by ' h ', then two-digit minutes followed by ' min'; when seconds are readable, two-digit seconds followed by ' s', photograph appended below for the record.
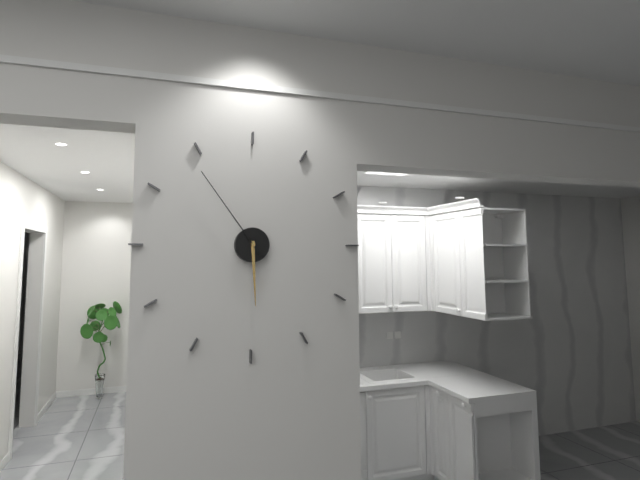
5 h 54 min
